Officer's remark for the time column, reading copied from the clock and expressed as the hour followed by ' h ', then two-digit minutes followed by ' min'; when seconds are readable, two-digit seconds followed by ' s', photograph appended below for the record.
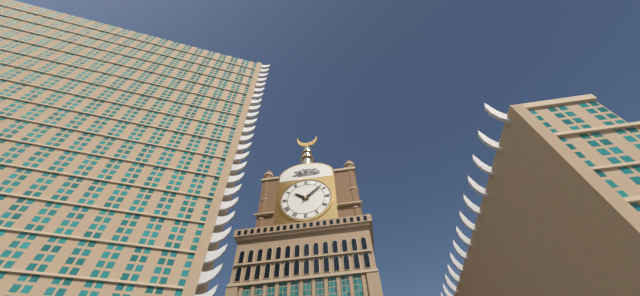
10 h 08 min
